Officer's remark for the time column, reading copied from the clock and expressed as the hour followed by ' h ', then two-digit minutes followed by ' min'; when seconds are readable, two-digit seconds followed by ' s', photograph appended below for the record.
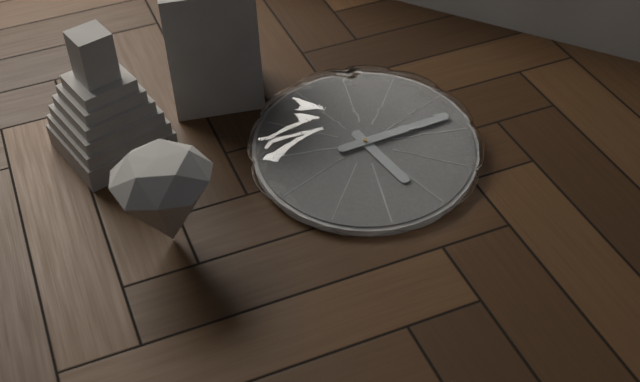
5 h 13 min
